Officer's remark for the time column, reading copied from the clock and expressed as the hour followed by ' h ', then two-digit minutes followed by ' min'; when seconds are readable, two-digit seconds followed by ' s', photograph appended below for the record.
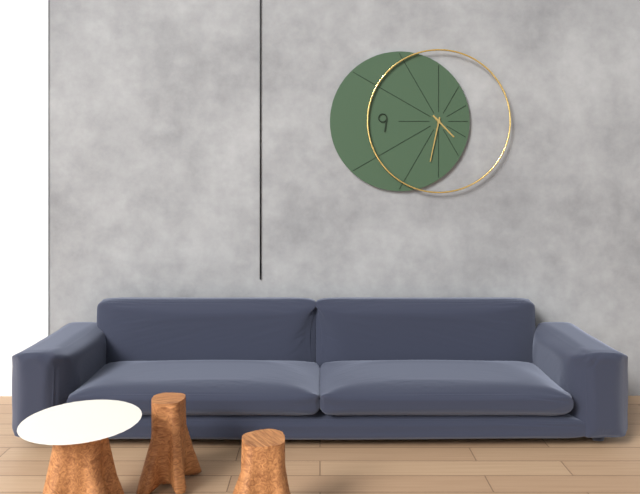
4 h 32 min
